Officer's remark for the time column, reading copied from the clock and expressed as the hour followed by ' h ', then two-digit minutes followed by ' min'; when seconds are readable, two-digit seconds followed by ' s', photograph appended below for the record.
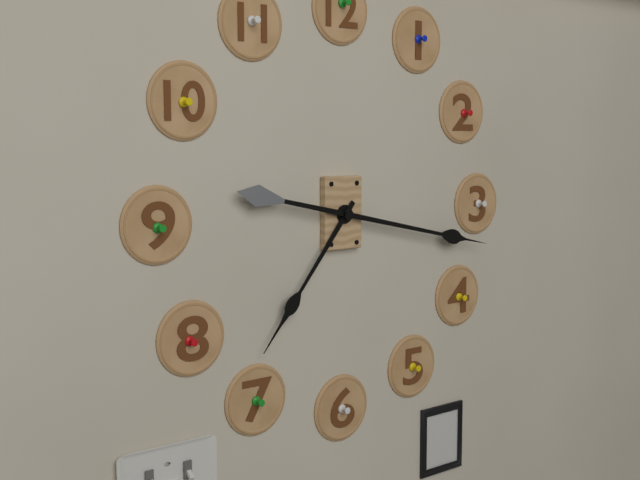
7 h 17 min
